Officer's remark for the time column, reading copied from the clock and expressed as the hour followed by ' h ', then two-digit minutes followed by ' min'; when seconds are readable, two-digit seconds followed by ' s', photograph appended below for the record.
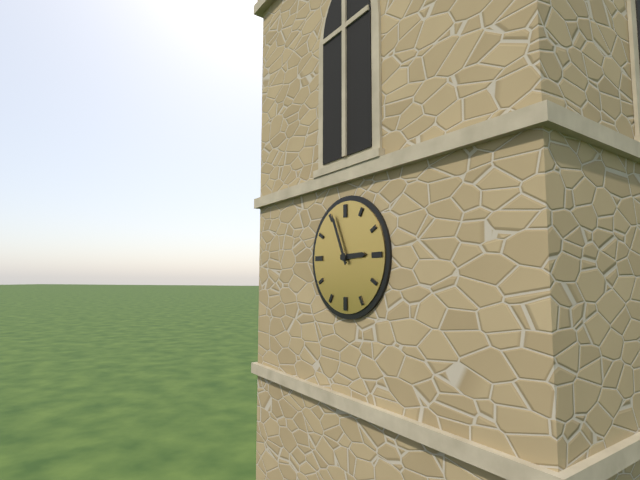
2 h 56 min
